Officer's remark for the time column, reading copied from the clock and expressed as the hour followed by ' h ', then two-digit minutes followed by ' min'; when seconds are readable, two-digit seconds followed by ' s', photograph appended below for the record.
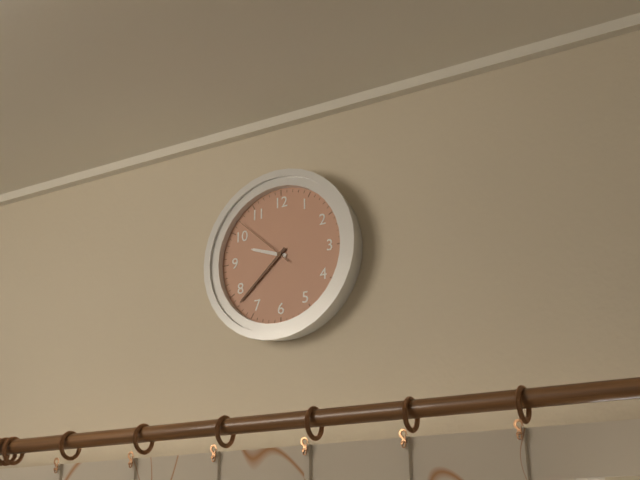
9 h 38 min 52 s
